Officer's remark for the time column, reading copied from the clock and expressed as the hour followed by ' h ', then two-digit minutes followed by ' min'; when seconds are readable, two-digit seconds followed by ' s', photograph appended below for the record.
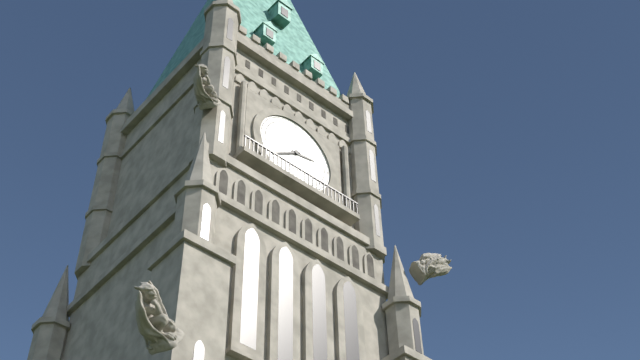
2 h 39 min
